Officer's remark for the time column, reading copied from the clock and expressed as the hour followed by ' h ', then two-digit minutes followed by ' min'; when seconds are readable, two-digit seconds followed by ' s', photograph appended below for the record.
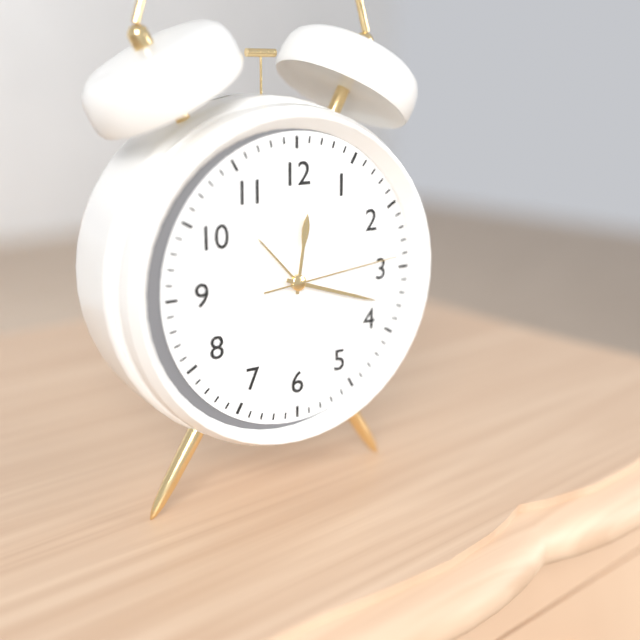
12 h 18 min 14 s
